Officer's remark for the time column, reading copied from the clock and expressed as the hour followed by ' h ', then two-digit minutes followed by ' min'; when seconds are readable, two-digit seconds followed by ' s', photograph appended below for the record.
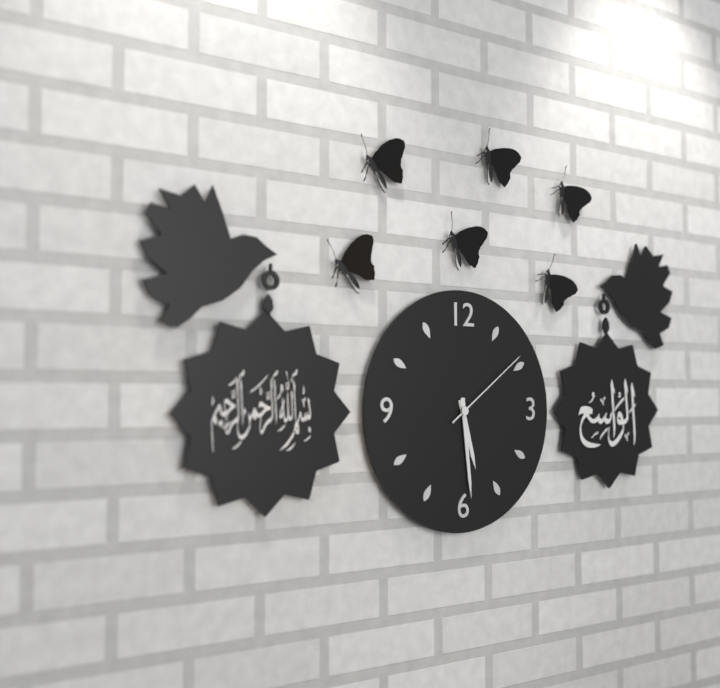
5 h 29 min 09 s
